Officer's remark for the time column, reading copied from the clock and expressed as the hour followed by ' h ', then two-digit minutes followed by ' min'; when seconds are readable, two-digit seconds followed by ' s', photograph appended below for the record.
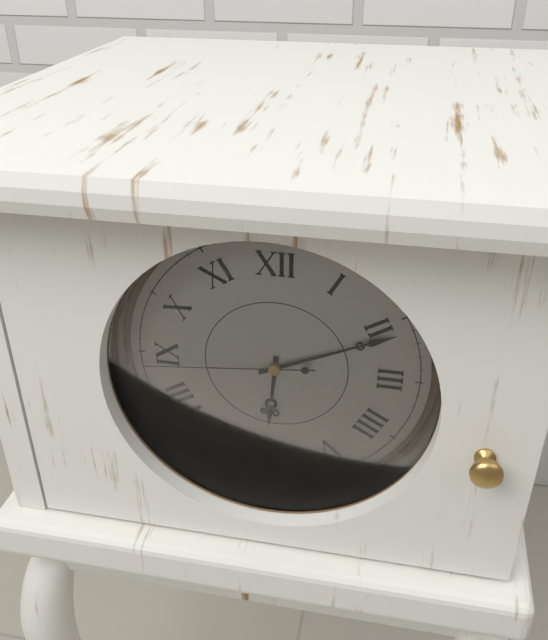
6 h 11 min 44 s
